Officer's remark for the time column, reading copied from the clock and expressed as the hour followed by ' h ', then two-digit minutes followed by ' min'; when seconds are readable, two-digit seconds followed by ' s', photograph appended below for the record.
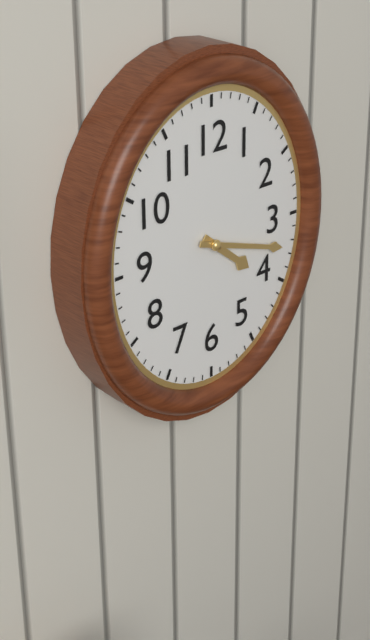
4 h 18 min
